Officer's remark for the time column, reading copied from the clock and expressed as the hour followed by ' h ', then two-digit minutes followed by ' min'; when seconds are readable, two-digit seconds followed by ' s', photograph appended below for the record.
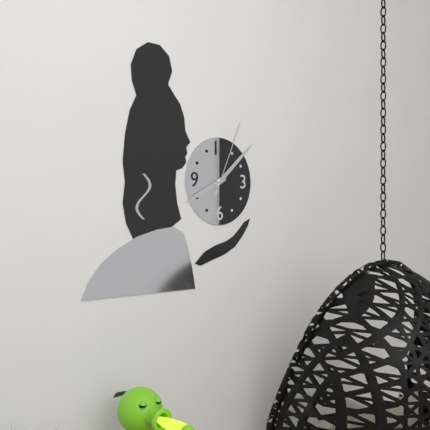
8 h 08 min 04 s
